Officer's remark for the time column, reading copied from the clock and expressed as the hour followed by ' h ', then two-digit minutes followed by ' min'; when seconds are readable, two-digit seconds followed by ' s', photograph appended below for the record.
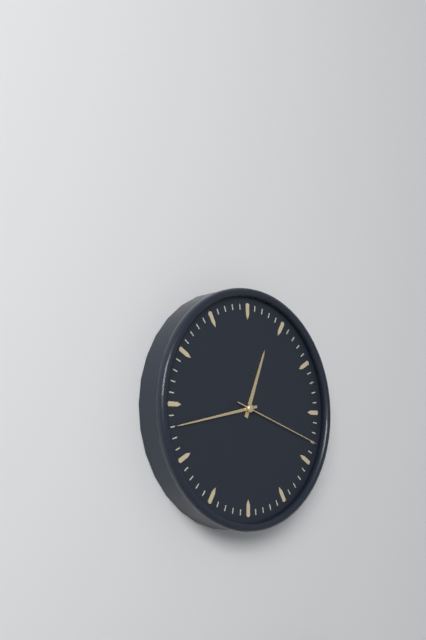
12 h 43 min 18 s
